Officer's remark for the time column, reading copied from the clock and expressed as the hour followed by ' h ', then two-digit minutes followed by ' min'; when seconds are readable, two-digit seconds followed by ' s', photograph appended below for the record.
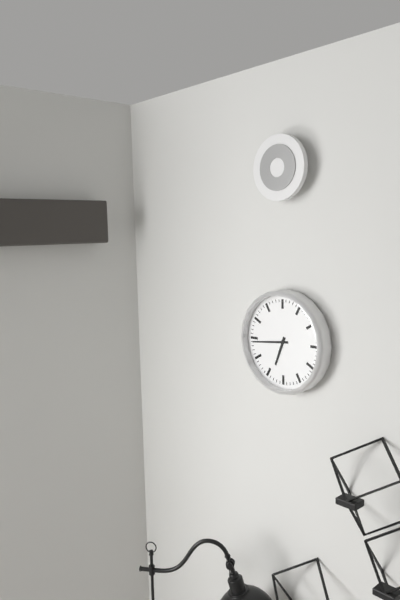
6 h 44 min
